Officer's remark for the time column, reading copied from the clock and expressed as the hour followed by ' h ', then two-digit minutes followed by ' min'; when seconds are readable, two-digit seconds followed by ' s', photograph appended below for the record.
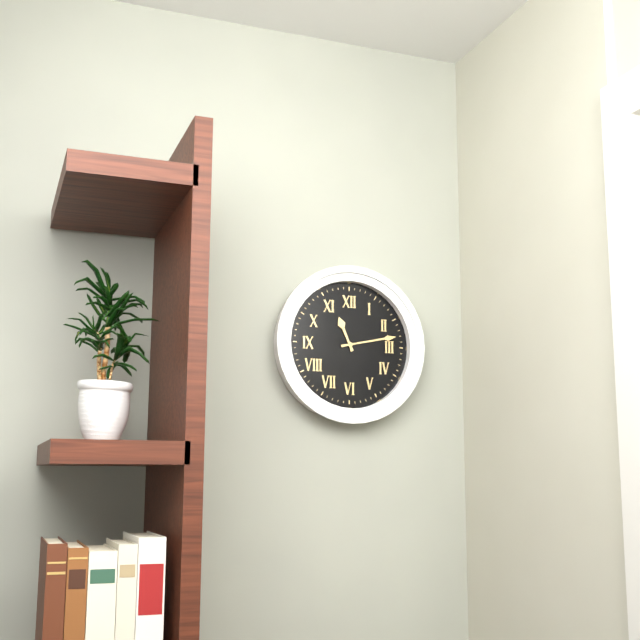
11 h 13 min
